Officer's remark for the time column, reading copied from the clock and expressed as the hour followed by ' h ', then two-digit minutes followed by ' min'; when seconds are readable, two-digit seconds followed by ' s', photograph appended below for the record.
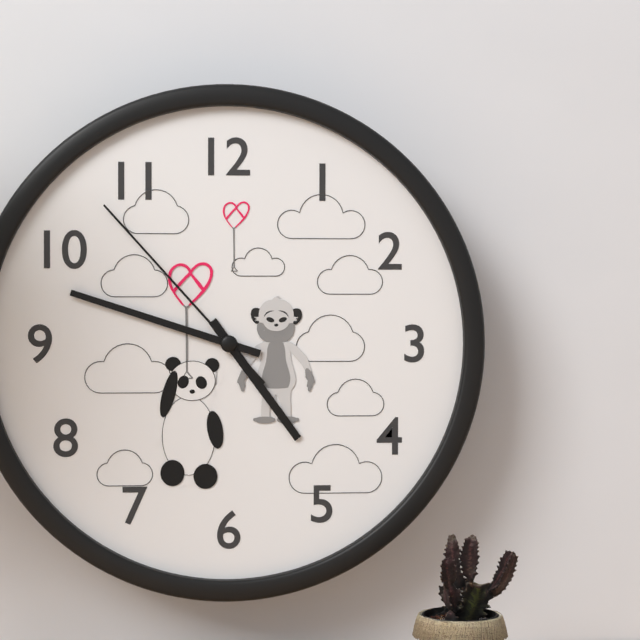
4 h 48 min 53 s
